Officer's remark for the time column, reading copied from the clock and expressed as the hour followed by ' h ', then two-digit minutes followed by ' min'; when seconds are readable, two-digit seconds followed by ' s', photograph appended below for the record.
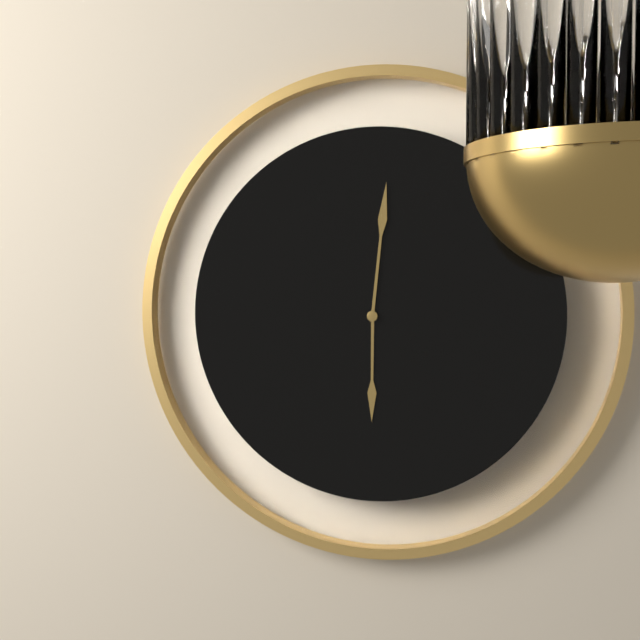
6 h 01 min
